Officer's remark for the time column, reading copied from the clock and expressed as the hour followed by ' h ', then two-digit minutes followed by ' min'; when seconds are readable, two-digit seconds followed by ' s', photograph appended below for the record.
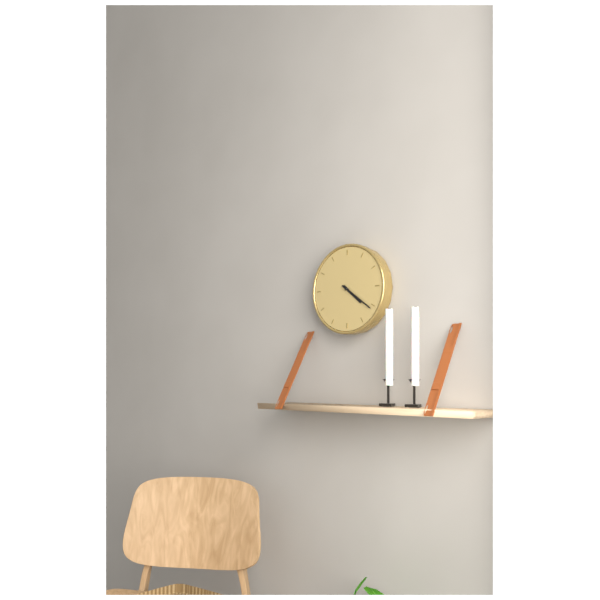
4 h 21 min
